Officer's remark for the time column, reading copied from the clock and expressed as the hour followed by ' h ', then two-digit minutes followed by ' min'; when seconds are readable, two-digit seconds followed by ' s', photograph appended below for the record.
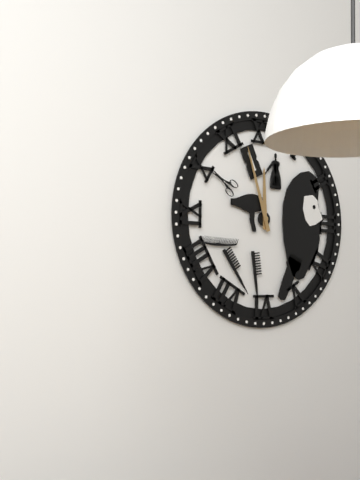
11 h 57 min
